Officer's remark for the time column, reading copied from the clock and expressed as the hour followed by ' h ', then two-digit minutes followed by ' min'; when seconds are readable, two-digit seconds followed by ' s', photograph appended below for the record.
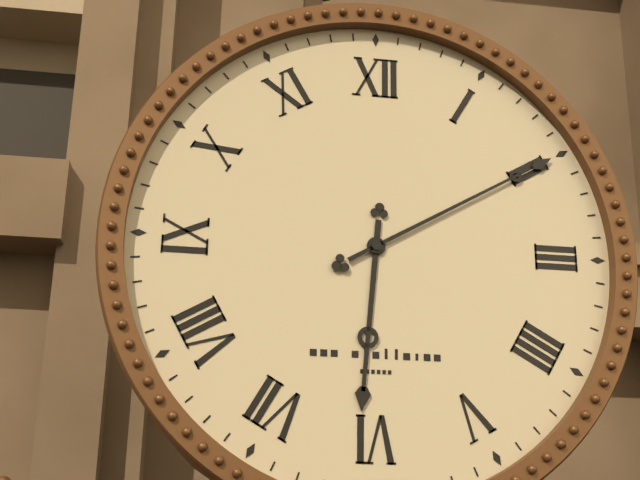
6 h 10 min
